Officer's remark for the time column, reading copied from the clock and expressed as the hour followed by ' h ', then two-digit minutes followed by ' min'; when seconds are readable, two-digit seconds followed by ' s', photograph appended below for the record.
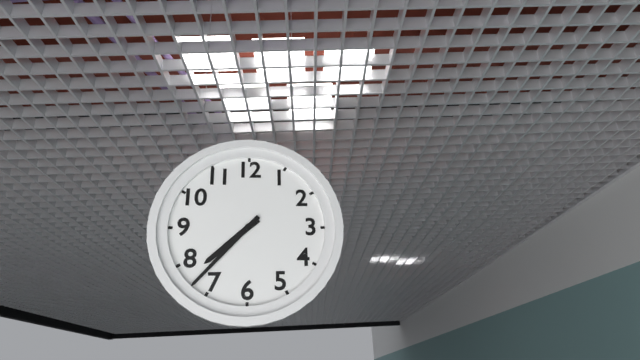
7 h 37 min
